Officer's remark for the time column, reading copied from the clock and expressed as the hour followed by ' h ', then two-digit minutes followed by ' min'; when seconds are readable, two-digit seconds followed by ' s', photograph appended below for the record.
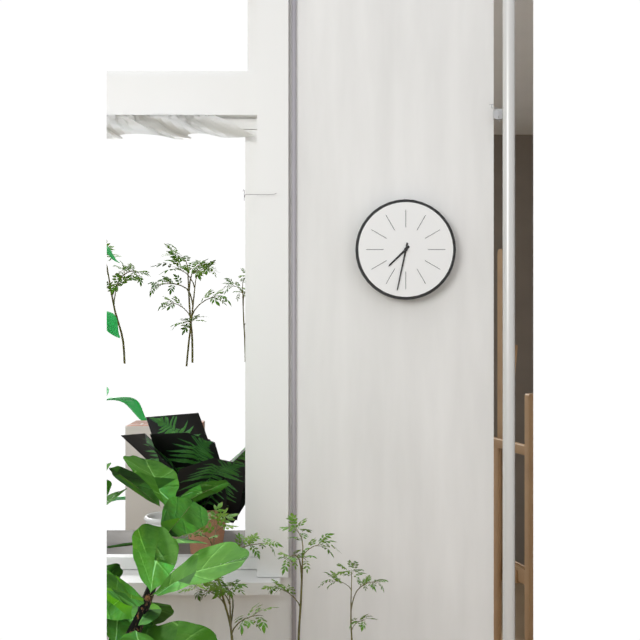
7 h 32 min
